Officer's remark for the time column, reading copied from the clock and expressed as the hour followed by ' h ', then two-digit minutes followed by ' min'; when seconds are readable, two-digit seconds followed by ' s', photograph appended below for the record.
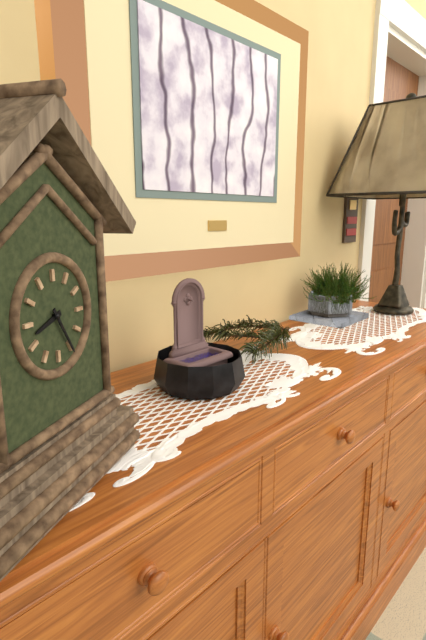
8 h 25 min
